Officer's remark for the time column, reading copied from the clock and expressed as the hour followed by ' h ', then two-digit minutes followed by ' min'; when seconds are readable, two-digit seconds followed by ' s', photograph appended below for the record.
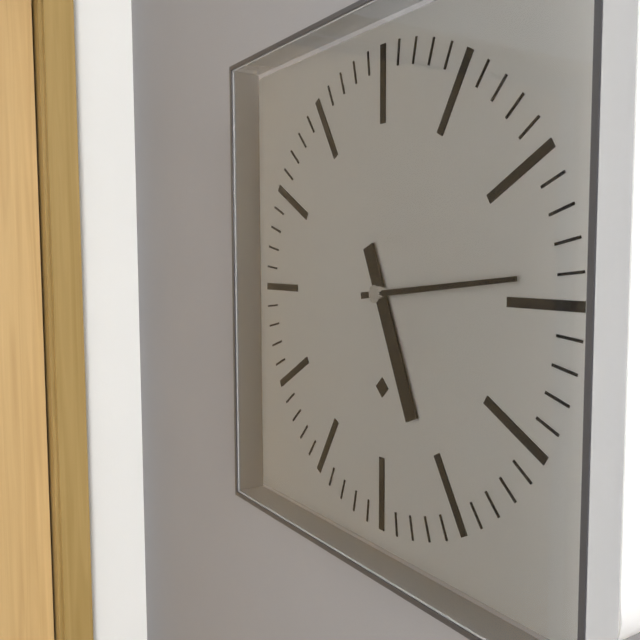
5 h 14 min
